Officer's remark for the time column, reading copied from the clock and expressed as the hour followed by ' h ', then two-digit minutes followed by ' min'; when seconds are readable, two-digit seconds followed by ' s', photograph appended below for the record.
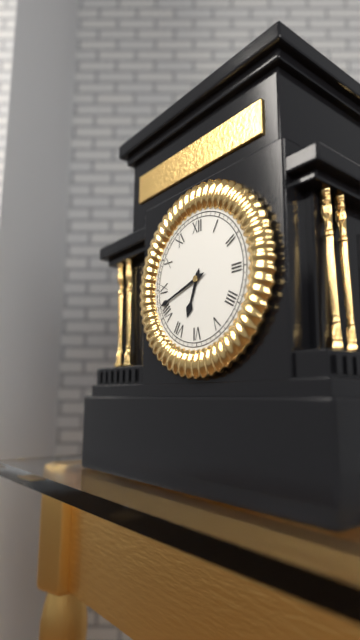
6 h 42 min
